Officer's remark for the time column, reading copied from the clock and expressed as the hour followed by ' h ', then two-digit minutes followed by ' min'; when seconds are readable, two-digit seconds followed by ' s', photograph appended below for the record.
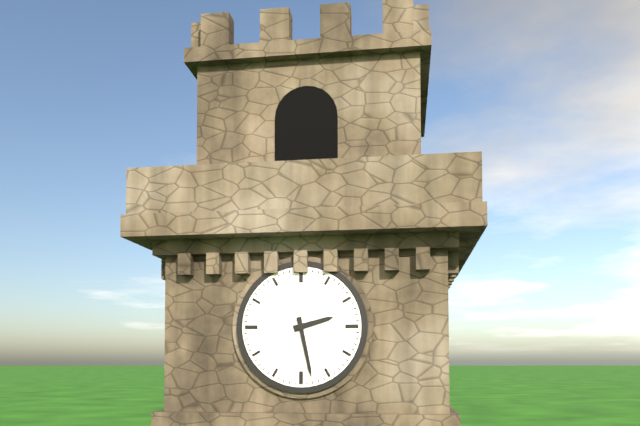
2 h 28 min
